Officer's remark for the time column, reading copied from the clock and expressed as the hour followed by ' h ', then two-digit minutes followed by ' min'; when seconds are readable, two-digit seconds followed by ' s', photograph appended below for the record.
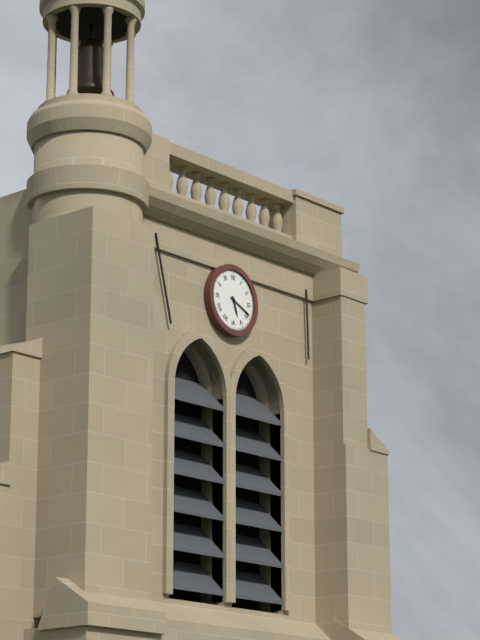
5 h 19 min
